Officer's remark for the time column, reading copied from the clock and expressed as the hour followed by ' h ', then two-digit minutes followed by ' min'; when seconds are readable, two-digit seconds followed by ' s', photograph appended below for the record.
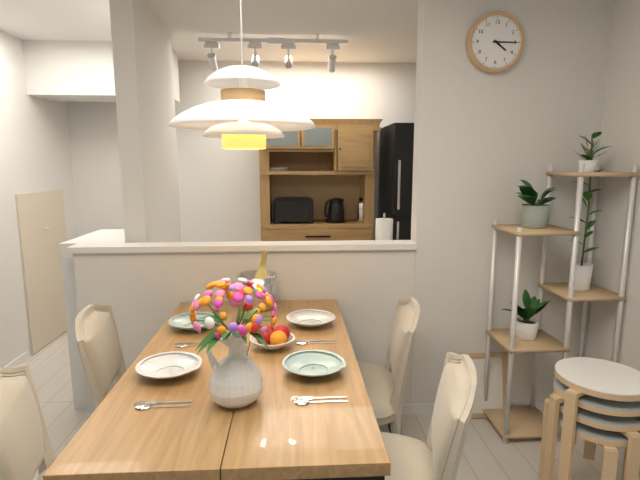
4 h 15 min
